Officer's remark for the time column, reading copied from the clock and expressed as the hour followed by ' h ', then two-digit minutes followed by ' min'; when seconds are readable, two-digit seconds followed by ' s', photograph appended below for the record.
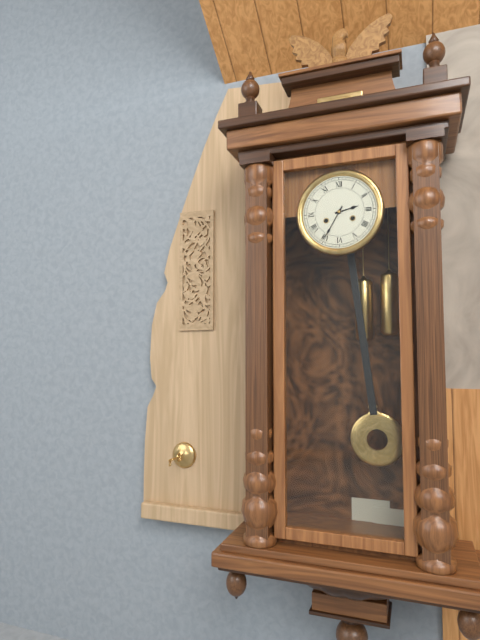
2 h 35 min
